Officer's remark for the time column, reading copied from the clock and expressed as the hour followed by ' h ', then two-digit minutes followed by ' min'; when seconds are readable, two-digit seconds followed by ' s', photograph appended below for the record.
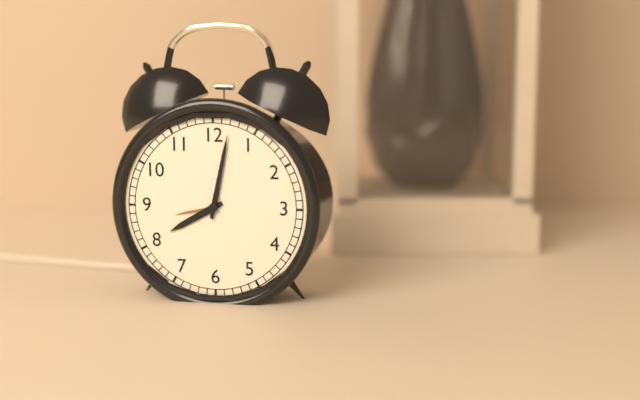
8 h 02 min
